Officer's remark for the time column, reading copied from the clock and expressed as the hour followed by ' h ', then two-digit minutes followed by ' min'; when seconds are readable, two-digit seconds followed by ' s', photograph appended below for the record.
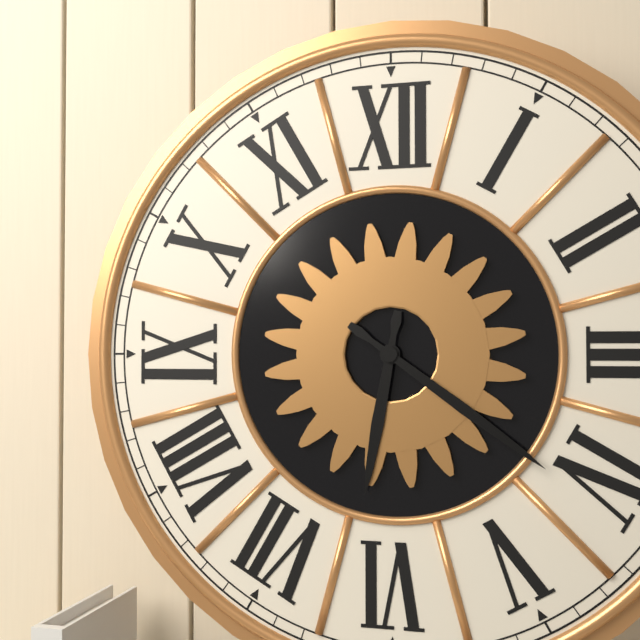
6 h 21 min
